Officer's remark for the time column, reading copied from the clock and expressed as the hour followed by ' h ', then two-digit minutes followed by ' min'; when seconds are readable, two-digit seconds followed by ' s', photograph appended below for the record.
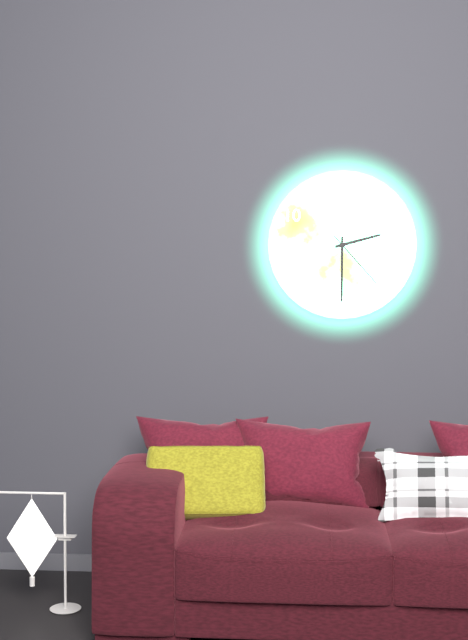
2 h 30 min 23 s
